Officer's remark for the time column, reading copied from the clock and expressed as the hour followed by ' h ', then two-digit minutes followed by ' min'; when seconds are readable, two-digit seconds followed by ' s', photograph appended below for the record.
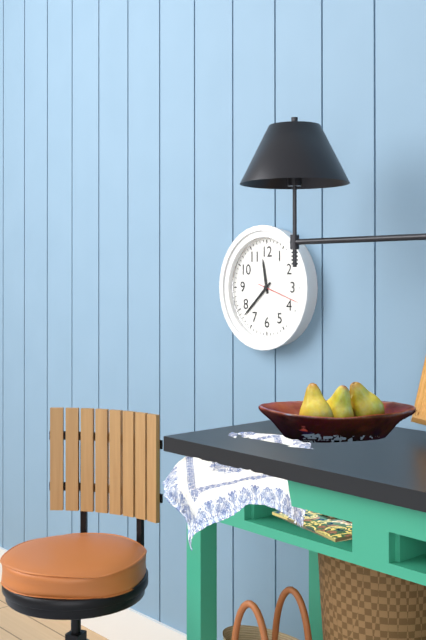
11 h 38 min
